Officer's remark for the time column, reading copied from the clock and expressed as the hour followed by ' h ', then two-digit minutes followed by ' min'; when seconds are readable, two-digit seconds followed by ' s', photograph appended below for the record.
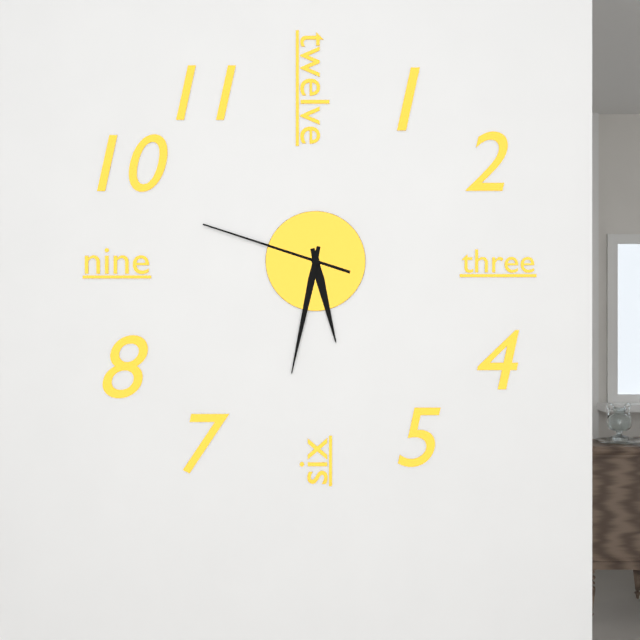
5 h 32 min 48 s
